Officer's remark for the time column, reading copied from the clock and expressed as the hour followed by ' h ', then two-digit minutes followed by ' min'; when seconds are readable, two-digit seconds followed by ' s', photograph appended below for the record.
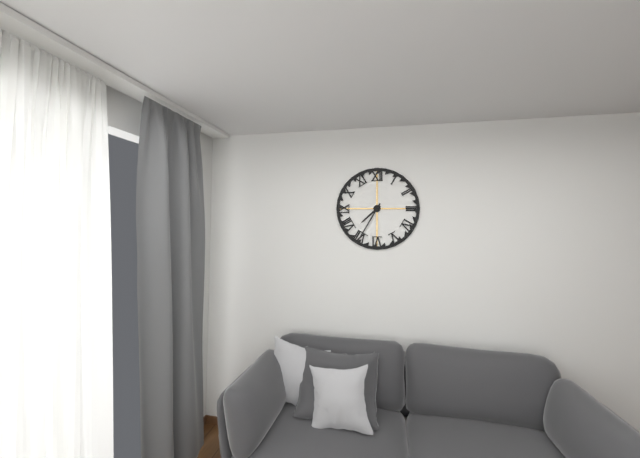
7 h 35 min
